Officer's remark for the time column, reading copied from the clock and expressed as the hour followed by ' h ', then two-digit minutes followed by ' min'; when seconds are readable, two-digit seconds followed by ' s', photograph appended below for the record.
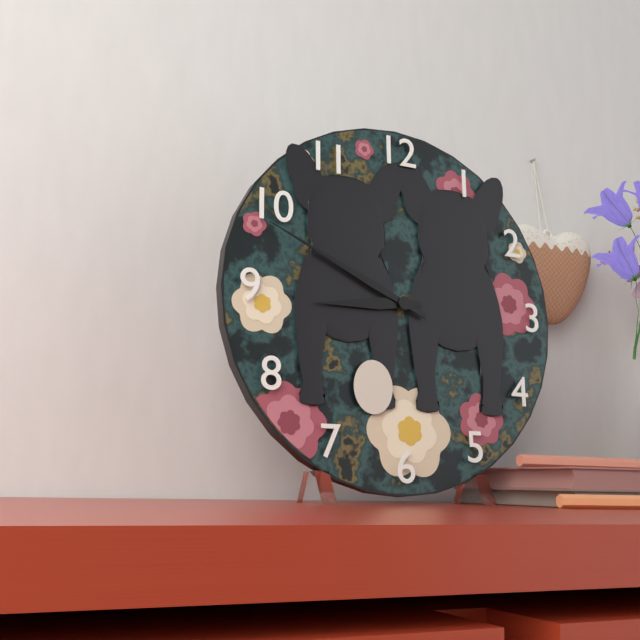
8 h 49 min
